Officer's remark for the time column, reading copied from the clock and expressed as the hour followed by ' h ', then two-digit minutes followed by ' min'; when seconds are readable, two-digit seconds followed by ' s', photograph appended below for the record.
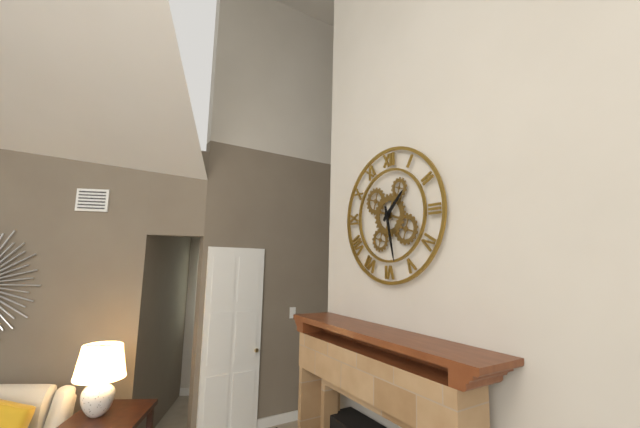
1 h 28 min
